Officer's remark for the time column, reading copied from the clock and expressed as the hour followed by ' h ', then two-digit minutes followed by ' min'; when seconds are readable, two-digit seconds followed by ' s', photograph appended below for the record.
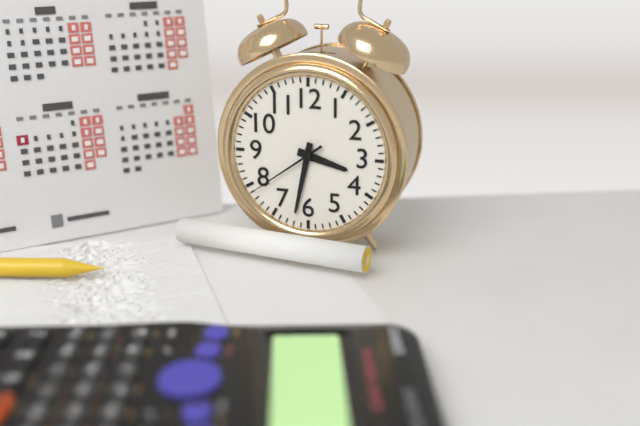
3 h 32 min 39 s
